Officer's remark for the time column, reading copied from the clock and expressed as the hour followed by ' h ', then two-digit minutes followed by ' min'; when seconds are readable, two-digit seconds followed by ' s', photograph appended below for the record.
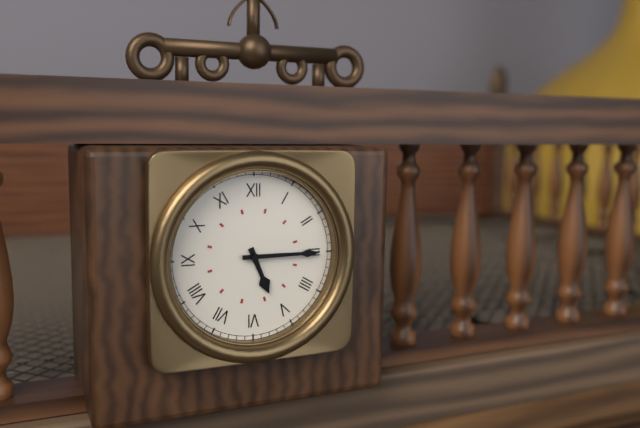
5 h 15 min
